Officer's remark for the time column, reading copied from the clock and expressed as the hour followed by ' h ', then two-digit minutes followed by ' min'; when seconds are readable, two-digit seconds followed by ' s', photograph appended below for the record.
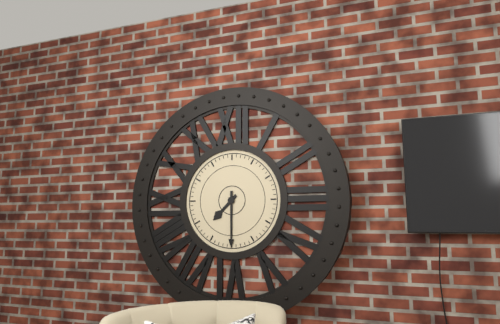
7 h 30 min
